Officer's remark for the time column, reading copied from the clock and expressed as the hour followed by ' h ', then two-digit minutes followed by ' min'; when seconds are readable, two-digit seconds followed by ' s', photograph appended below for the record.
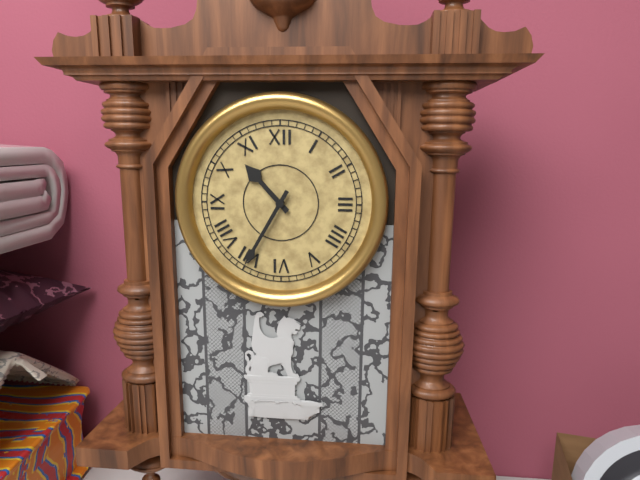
10 h 35 min
